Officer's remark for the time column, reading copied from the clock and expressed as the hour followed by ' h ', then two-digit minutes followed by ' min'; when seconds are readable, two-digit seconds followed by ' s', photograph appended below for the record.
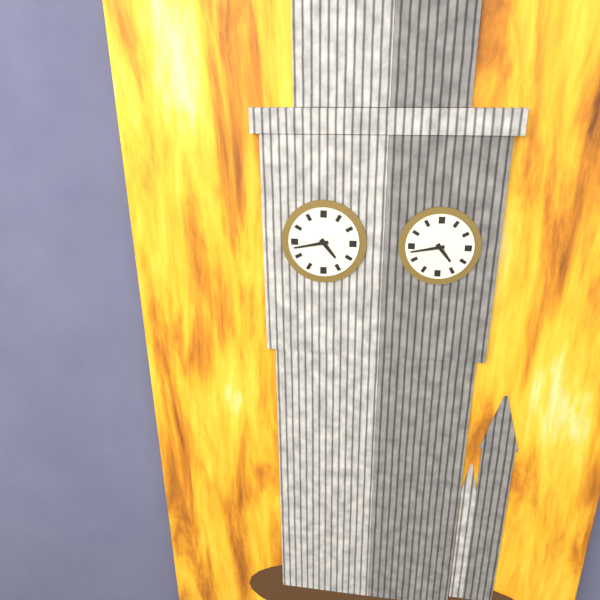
4 h 43 min
